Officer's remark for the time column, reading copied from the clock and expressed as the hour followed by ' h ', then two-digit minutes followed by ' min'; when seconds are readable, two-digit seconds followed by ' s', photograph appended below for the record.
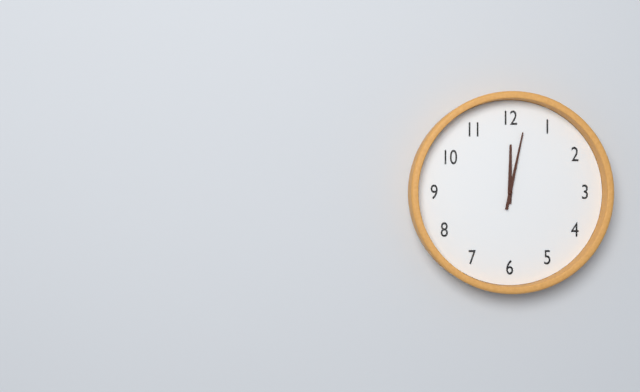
12 h 02 min
